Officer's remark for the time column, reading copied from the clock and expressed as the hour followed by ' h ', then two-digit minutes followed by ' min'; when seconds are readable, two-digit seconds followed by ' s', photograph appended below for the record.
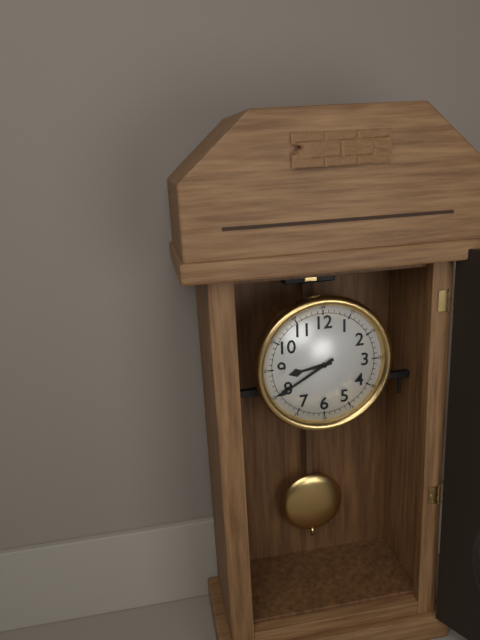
8 h 40 min
